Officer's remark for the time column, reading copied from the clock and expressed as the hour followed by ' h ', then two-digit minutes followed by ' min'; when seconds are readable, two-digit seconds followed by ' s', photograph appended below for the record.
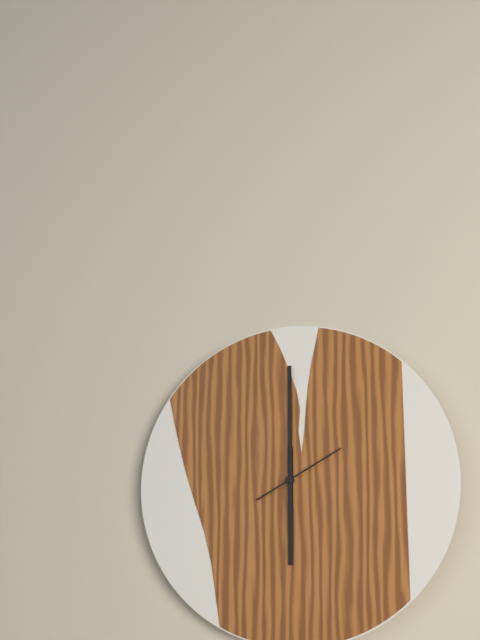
6 h 00 min 10 s
